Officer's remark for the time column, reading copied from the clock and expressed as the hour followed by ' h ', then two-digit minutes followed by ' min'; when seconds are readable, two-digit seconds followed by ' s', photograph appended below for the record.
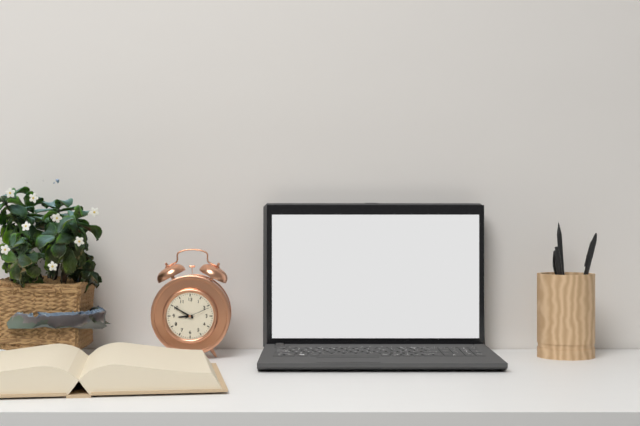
8 h 50 min
